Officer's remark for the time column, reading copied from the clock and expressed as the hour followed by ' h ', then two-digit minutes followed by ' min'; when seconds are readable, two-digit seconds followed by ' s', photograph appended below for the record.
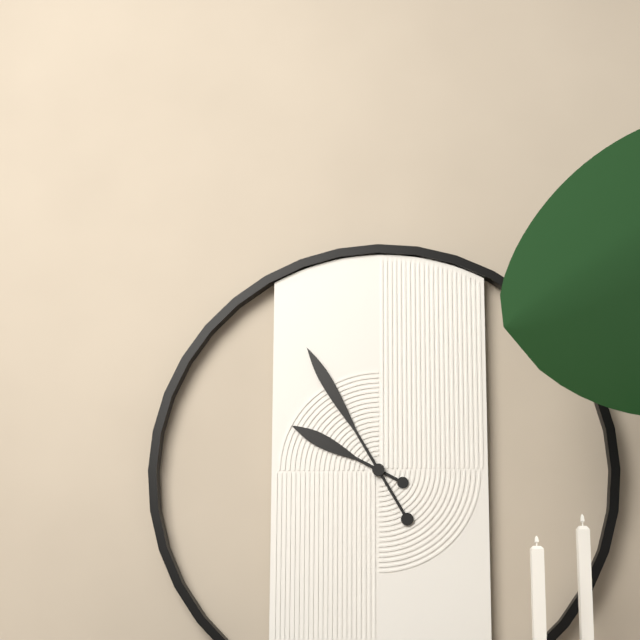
9 h 55 min
